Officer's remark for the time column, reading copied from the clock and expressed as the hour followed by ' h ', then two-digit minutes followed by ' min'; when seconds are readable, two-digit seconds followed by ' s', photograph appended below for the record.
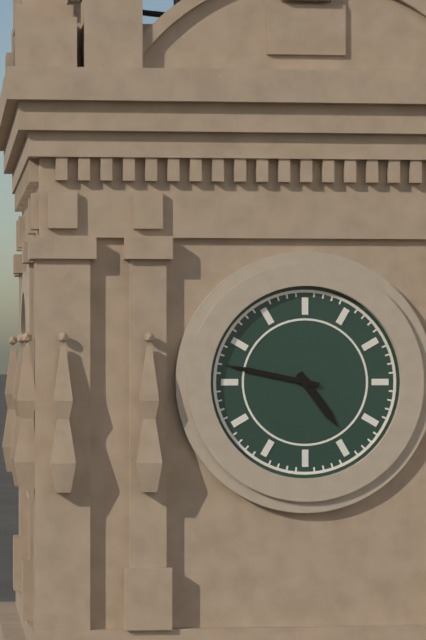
4 h 47 min
